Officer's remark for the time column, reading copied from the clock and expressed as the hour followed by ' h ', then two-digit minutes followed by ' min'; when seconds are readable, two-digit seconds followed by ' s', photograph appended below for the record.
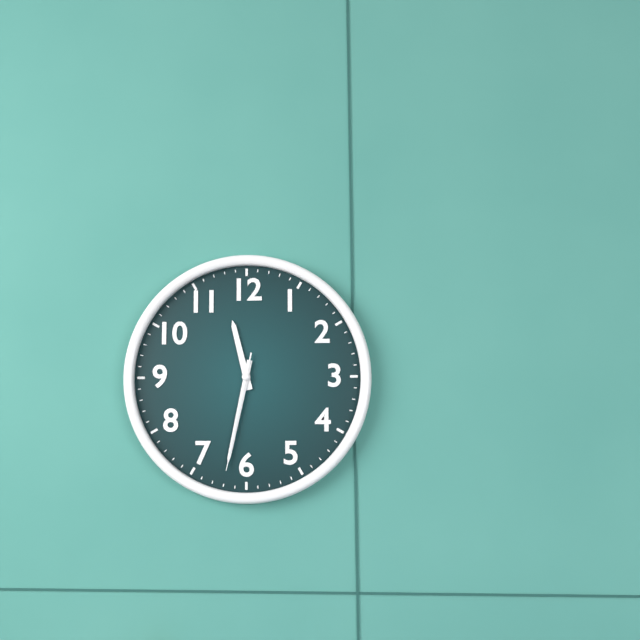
11 h 32 min 32 s
